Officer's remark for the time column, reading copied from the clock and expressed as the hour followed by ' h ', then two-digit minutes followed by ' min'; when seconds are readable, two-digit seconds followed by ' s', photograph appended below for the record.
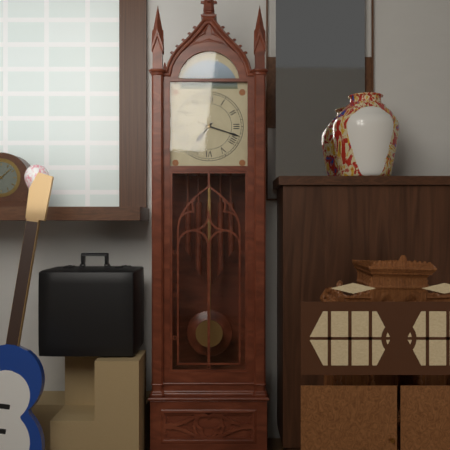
7 h 18 min
